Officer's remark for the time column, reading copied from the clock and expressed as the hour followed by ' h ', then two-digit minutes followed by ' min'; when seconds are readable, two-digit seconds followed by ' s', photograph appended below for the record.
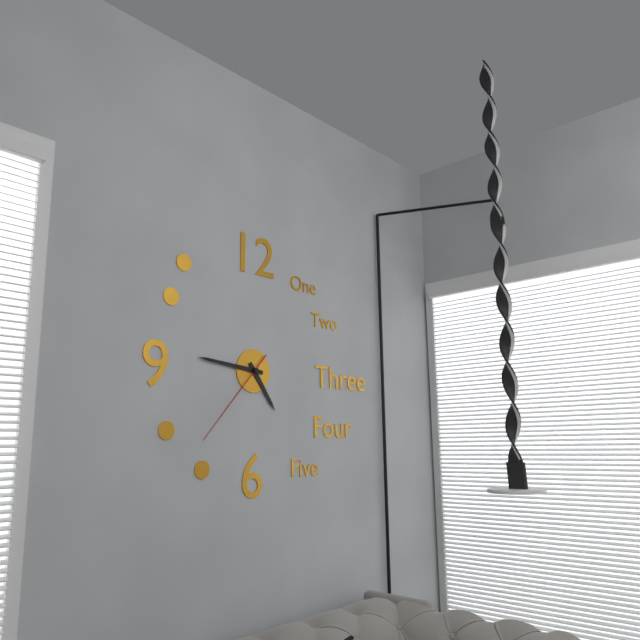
4 h 46 min 37 s
